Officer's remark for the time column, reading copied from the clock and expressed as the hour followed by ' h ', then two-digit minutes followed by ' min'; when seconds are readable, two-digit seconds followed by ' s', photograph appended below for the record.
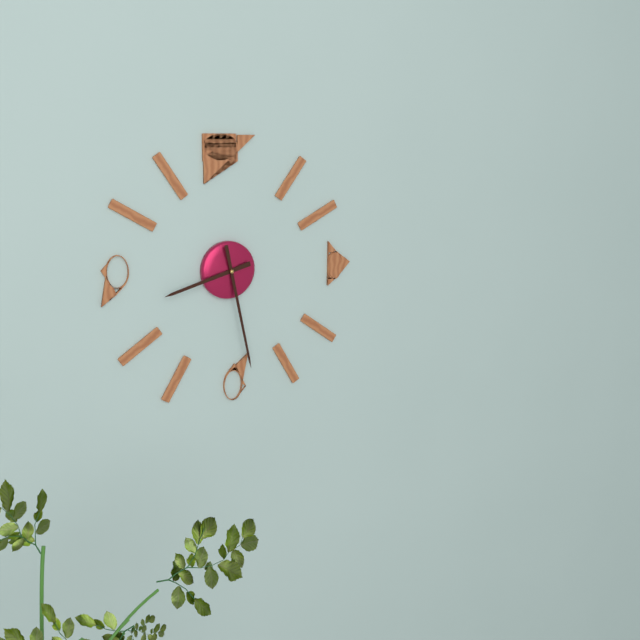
8 h 28 min
